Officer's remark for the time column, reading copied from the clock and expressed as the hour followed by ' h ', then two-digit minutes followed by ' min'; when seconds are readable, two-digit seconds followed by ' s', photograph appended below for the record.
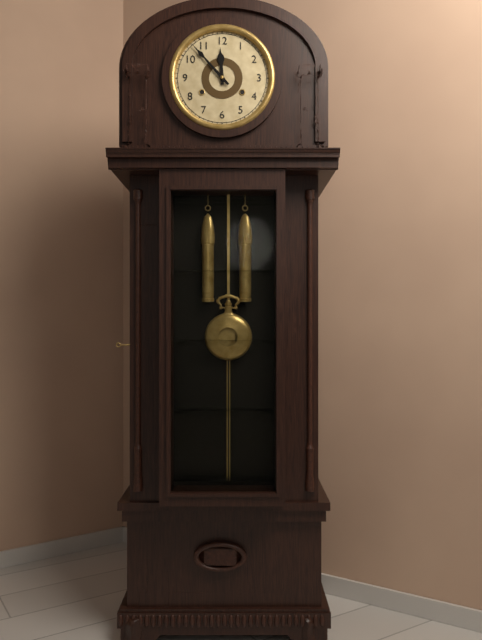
11 h 53 min
